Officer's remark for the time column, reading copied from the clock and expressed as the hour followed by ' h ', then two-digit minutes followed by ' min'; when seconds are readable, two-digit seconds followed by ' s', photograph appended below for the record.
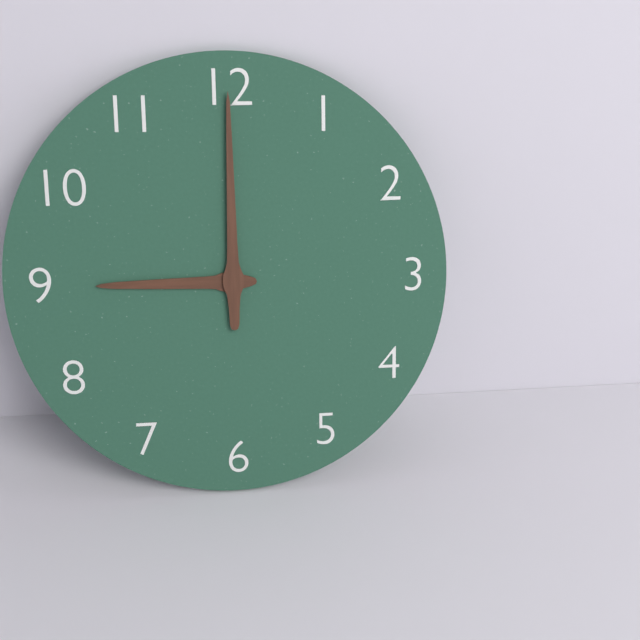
9 h 00 min
